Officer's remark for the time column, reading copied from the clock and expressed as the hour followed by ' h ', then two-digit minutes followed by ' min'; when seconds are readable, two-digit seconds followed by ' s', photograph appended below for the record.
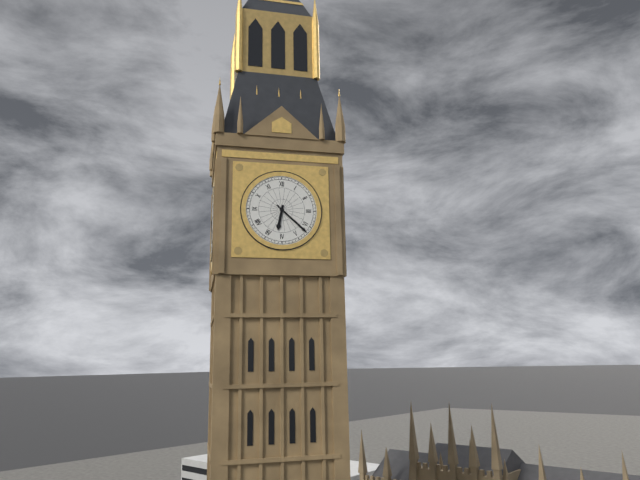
6 h 22 min
